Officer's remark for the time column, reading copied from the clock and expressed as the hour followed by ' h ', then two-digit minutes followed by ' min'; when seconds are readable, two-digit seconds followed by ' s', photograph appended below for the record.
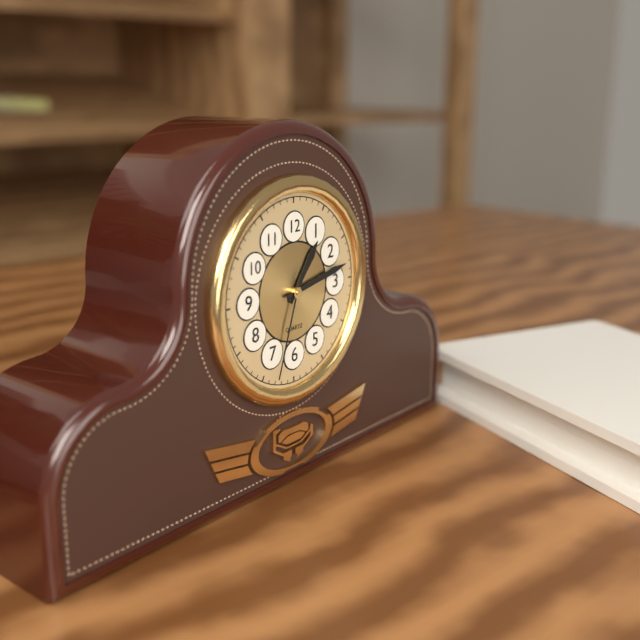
1 h 13 min 33 s
